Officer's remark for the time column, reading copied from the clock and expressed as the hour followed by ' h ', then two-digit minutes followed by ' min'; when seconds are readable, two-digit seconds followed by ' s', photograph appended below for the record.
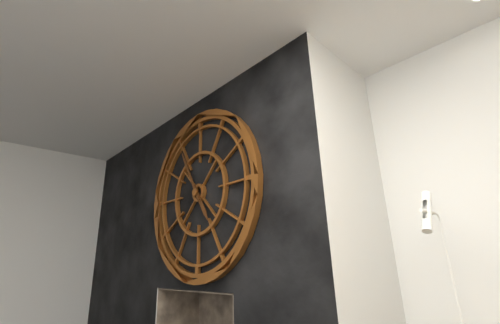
4 h 55 min
